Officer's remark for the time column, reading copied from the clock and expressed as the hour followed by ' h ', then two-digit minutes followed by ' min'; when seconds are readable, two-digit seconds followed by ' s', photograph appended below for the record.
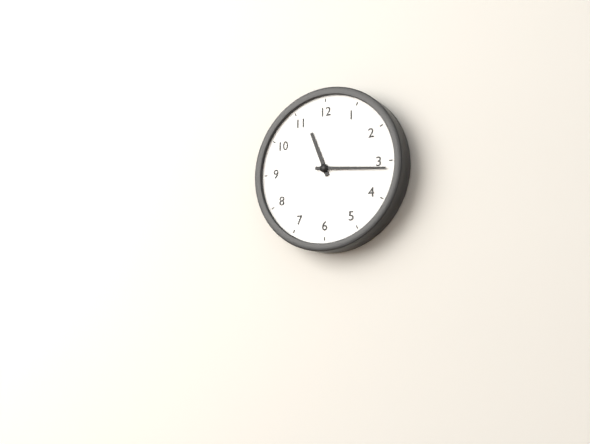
11 h 16 min
